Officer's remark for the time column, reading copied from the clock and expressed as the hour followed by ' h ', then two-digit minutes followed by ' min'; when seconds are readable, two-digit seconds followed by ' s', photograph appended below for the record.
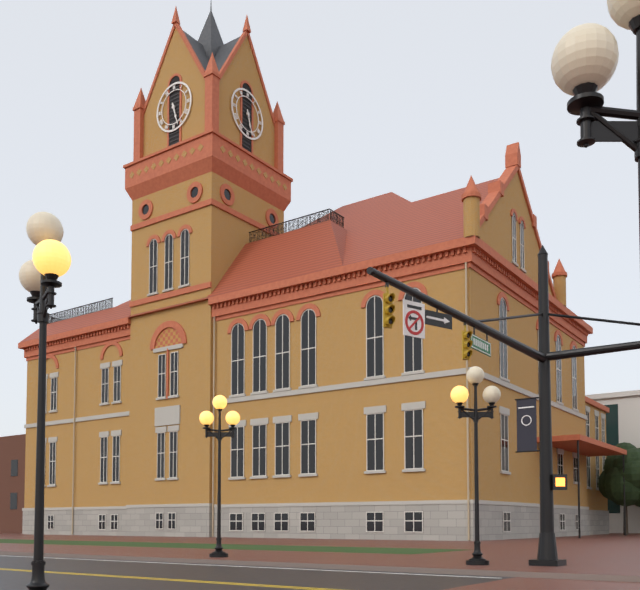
5 h 27 min
